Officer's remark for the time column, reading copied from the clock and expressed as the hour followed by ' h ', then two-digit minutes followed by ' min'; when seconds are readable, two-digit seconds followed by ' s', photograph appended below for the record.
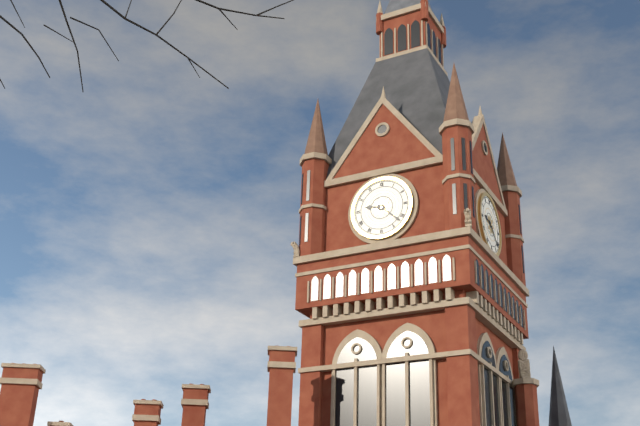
9 h 22 min
